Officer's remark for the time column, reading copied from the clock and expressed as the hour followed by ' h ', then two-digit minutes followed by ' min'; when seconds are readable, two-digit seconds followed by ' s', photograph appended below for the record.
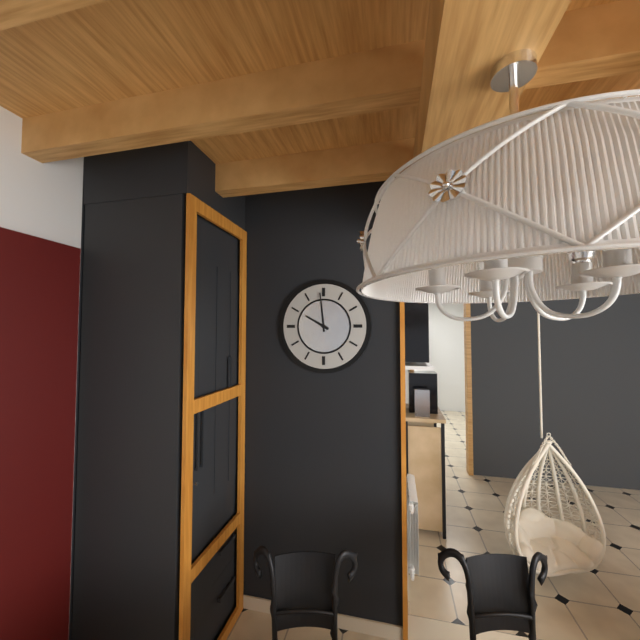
9 h 59 min
